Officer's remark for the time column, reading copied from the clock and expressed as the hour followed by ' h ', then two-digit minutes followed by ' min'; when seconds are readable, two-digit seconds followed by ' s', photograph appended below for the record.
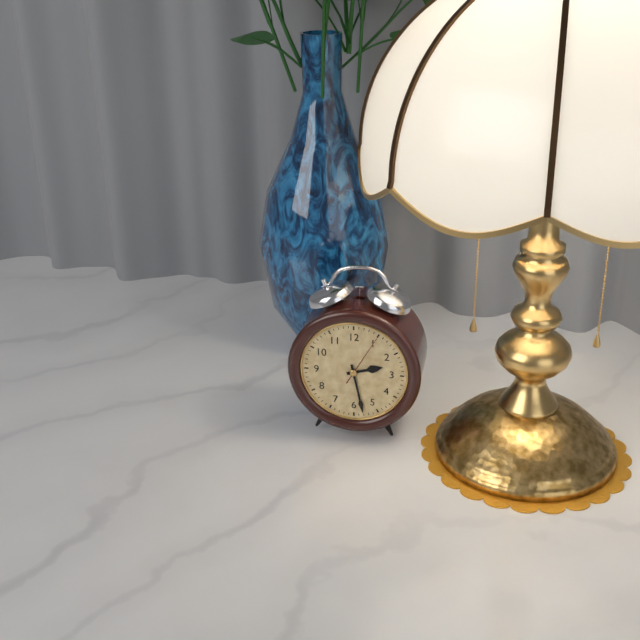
2 h 28 min 05 s
